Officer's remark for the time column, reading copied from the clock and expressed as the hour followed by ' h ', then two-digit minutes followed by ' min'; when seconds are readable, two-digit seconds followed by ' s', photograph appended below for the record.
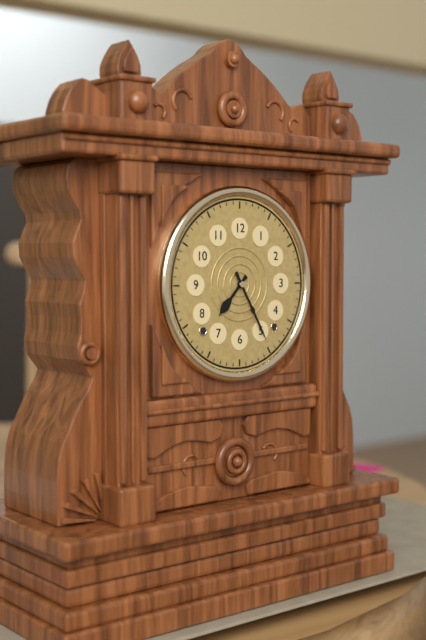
7 h 25 min
